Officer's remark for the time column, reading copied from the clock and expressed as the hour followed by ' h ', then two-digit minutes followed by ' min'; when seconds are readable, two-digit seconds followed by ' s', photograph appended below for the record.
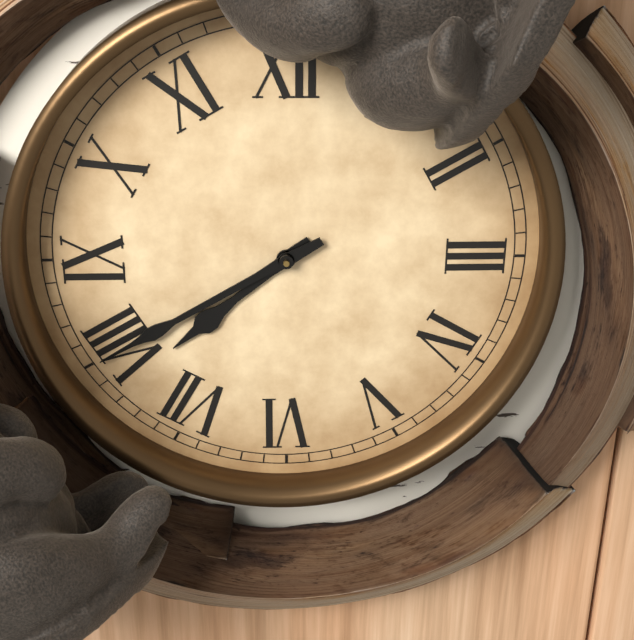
7 h 40 min
